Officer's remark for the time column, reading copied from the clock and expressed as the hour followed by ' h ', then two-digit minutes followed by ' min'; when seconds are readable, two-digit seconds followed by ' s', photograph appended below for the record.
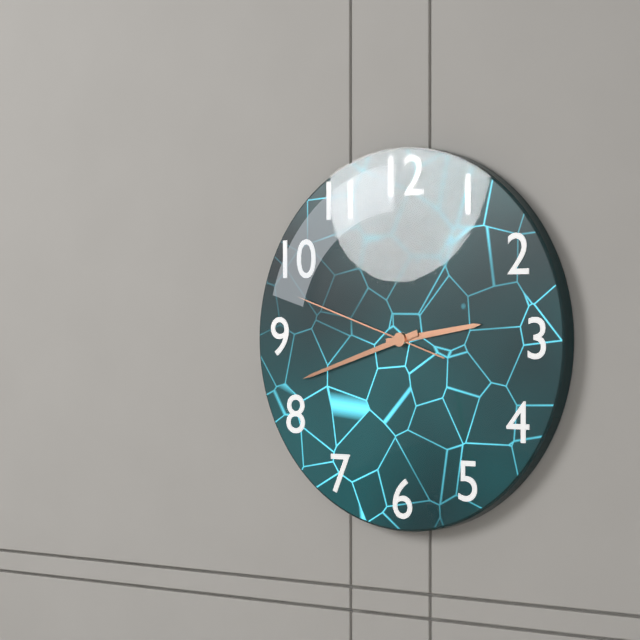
2 h 42 min 48 s
